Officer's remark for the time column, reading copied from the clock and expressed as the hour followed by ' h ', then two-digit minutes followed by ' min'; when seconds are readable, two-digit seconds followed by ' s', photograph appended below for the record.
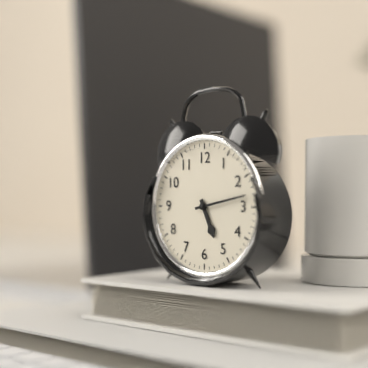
5 h 13 min
